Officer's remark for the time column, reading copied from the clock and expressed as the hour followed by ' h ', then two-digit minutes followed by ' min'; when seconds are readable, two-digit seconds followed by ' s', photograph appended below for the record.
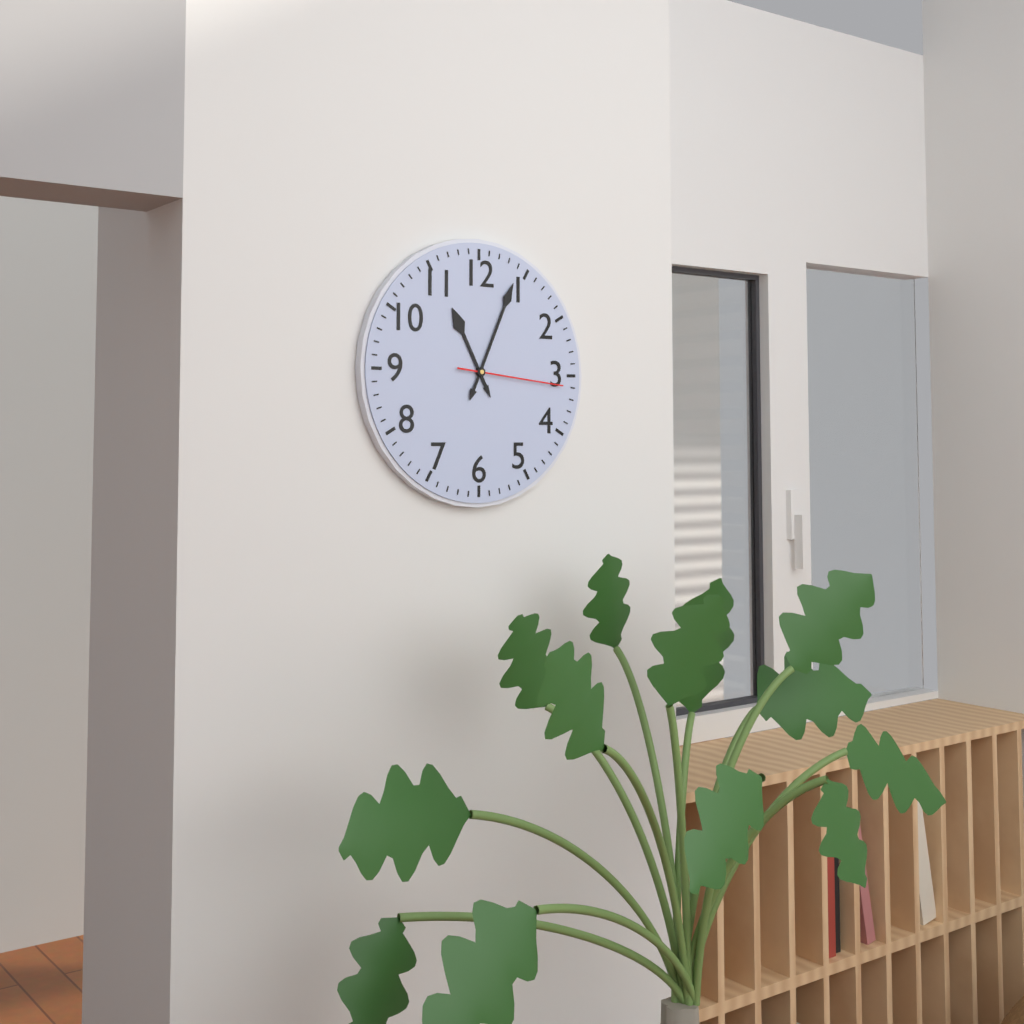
11 h 04 min 16 s
